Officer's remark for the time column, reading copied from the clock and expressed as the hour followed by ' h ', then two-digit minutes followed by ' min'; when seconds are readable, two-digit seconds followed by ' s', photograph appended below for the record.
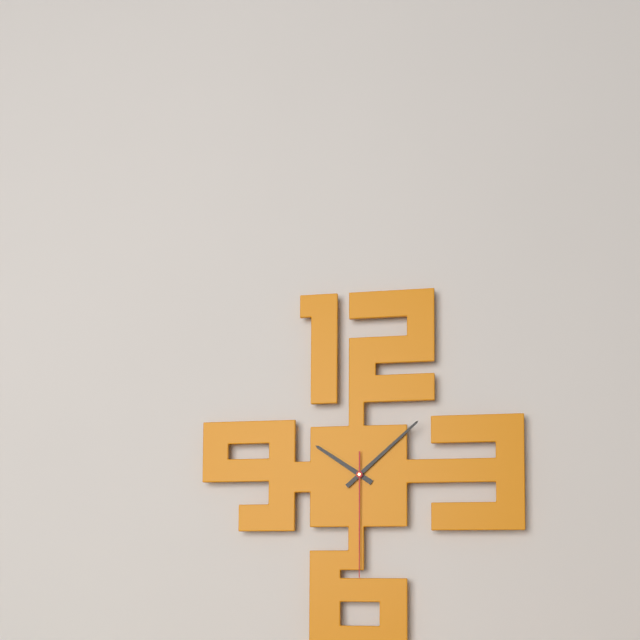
10 h 08 min 30 s
